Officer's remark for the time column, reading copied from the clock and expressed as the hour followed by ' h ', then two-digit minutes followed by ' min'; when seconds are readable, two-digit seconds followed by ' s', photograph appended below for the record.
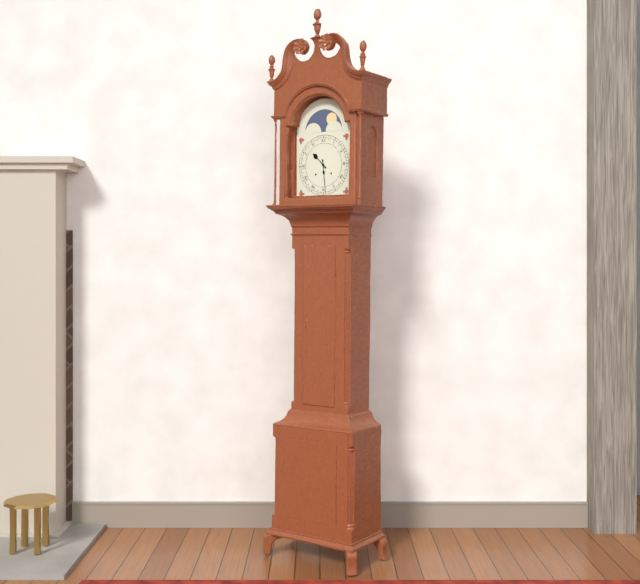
10 h 29 min
